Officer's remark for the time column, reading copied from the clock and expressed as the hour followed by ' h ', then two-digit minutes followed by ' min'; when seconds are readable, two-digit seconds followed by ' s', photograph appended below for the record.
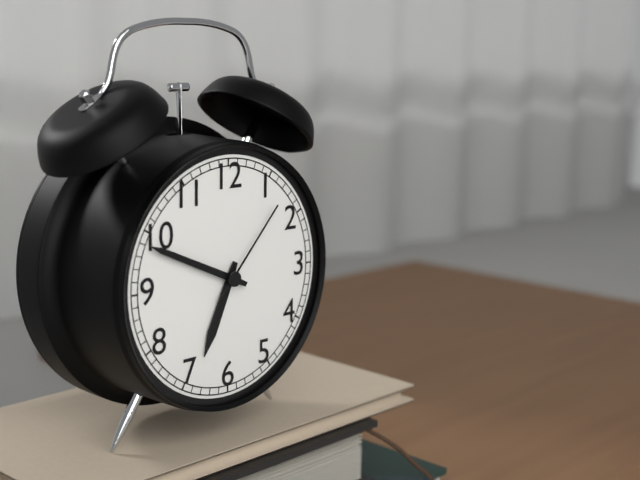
6 h 49 min 07 s
